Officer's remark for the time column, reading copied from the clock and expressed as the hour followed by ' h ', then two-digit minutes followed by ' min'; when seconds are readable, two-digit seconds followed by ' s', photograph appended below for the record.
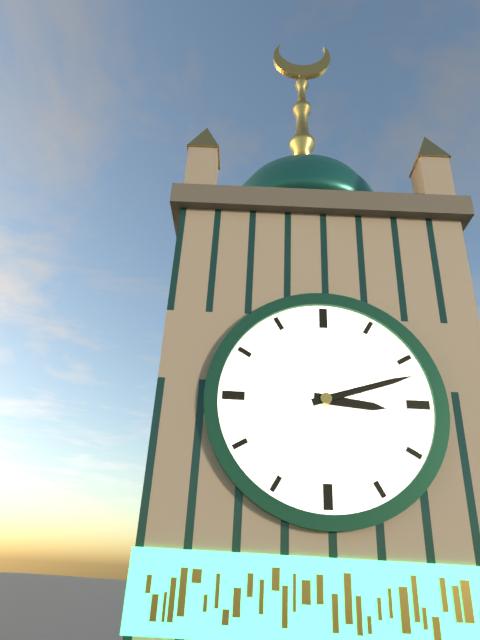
3 h 12 min
